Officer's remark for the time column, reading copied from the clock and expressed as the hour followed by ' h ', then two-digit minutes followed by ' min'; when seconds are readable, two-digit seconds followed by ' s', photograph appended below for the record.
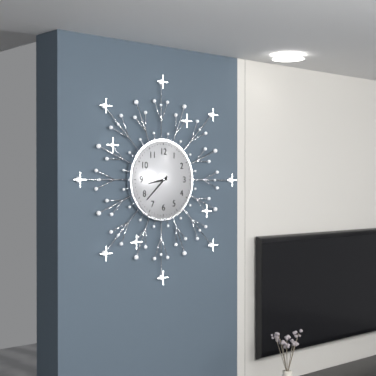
8 h 38 min
